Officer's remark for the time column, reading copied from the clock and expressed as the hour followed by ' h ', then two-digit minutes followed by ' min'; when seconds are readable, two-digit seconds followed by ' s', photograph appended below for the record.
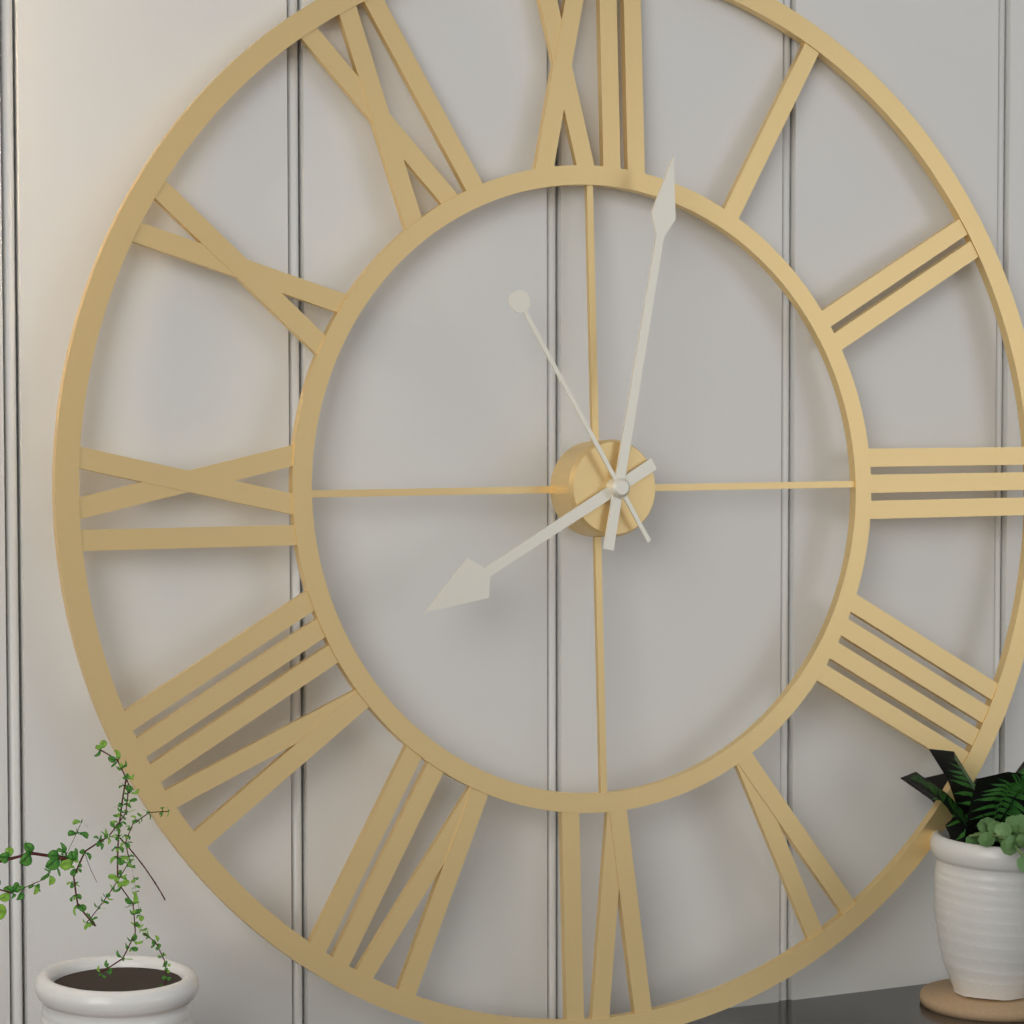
8 h 02 min 55 s
